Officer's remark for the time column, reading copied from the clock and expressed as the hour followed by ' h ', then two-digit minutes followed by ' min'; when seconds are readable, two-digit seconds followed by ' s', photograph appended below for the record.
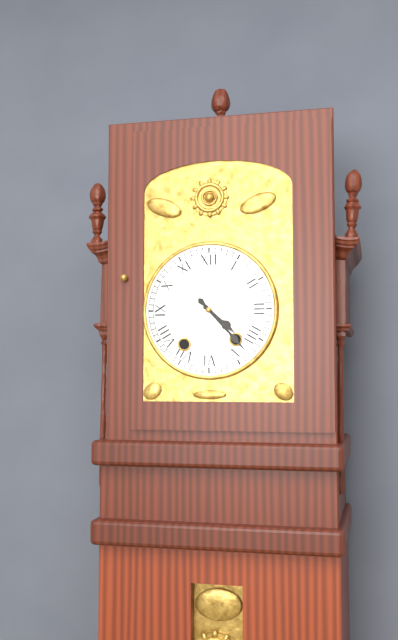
4 h 23 min
